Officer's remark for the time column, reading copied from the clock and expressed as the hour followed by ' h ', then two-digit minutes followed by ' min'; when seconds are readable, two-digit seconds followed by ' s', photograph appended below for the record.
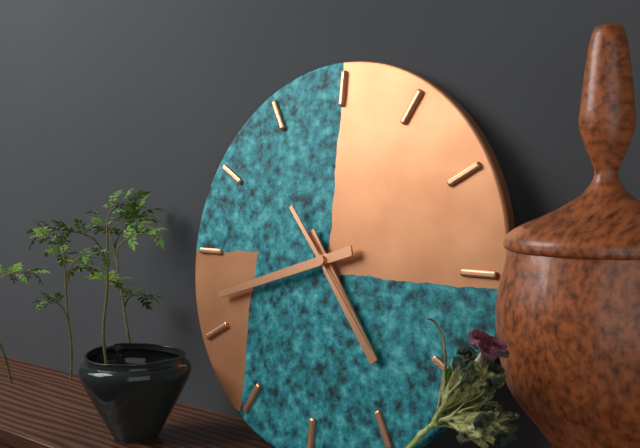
4 h 42 min 23 s
